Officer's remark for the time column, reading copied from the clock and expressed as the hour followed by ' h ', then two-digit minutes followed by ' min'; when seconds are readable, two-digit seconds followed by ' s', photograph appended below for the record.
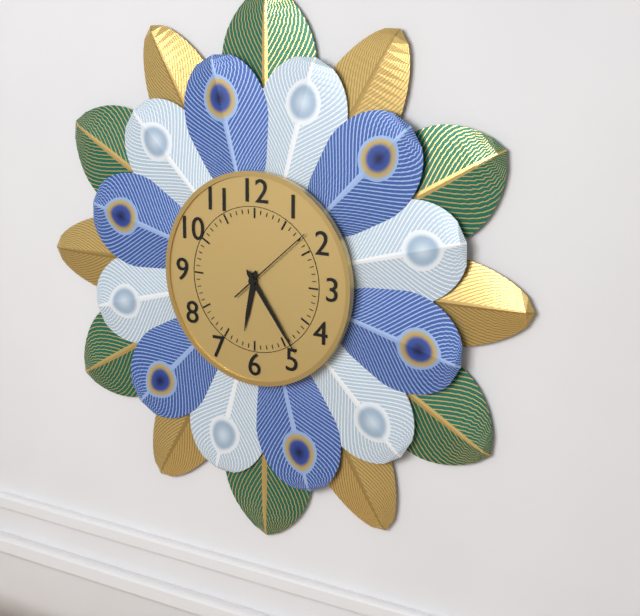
6 h 24 min 08 s
